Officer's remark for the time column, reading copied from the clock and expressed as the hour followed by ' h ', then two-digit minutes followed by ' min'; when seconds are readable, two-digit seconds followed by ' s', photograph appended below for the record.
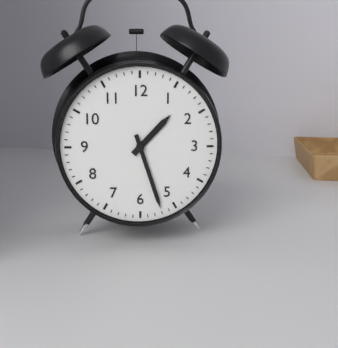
1 h 27 min
